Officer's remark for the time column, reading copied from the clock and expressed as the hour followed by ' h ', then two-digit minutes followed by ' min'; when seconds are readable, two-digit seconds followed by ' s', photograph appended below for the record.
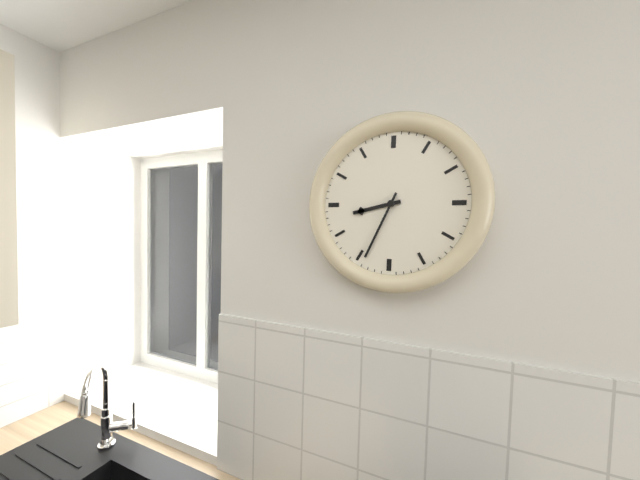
8 h 34 min
